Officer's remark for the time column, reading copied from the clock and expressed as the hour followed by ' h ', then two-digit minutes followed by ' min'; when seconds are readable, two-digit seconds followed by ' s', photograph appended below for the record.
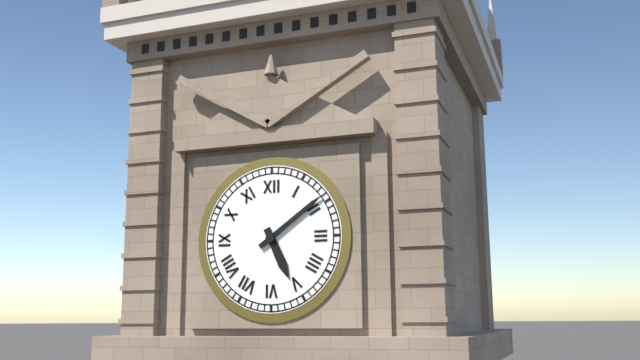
5 h 09 min
